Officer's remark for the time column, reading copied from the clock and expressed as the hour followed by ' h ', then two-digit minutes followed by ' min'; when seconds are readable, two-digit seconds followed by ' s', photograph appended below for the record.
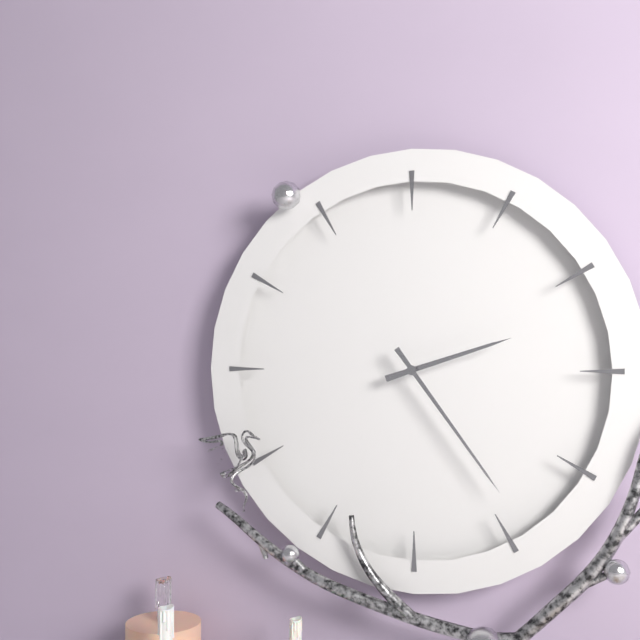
2 h 24 min
